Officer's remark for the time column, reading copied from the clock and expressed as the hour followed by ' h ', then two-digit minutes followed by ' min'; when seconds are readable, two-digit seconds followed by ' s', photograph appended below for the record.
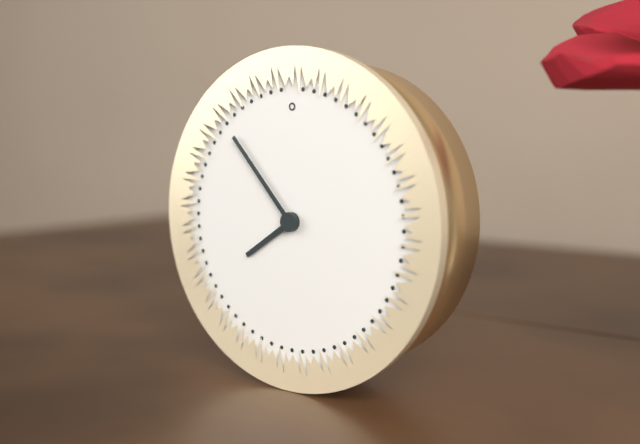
7 h 53 min
